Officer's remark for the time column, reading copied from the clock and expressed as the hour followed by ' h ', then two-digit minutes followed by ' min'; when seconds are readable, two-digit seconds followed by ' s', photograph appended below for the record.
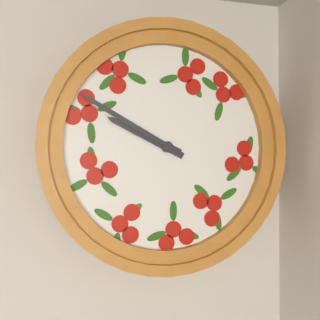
9 h 50 min
